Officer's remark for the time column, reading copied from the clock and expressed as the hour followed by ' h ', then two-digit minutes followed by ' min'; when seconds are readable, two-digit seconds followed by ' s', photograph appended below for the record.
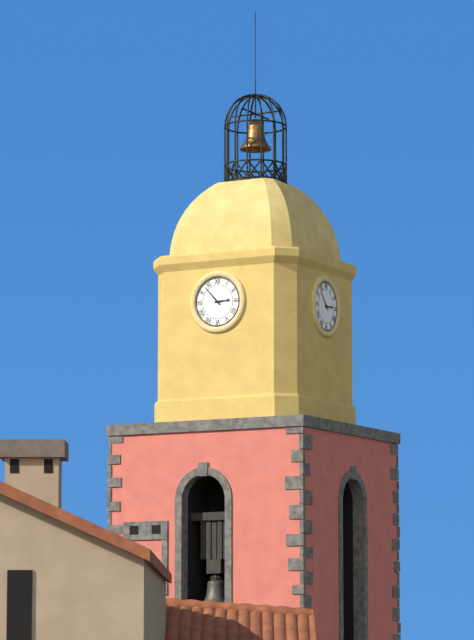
2 h 53 min
